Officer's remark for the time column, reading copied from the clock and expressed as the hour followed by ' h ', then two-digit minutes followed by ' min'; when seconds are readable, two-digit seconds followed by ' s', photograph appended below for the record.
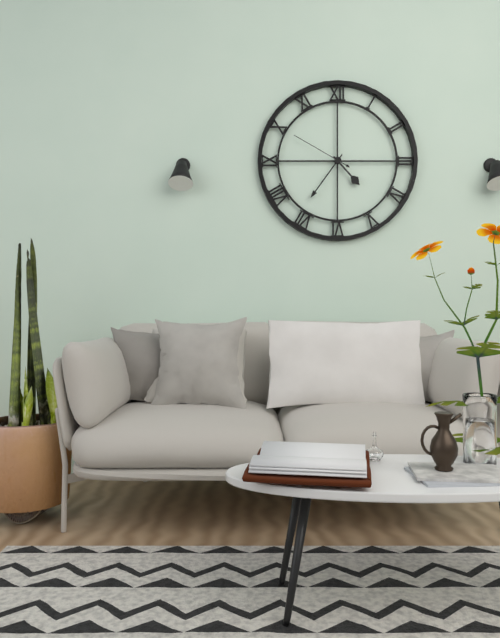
4 h 36 min 50 s
